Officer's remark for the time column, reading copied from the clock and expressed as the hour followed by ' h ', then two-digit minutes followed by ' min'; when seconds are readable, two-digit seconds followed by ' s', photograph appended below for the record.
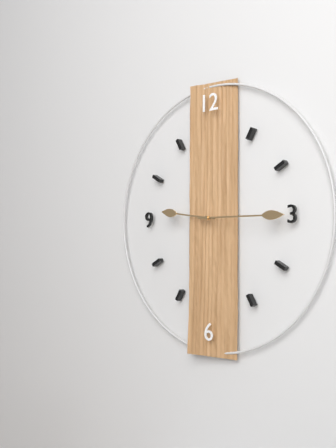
9 h 15 min
